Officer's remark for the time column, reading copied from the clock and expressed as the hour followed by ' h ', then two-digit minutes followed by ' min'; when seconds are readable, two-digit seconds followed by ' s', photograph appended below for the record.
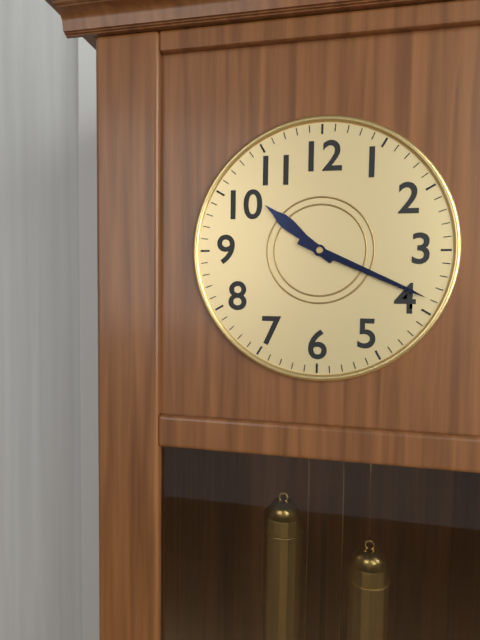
10 h 19 min
